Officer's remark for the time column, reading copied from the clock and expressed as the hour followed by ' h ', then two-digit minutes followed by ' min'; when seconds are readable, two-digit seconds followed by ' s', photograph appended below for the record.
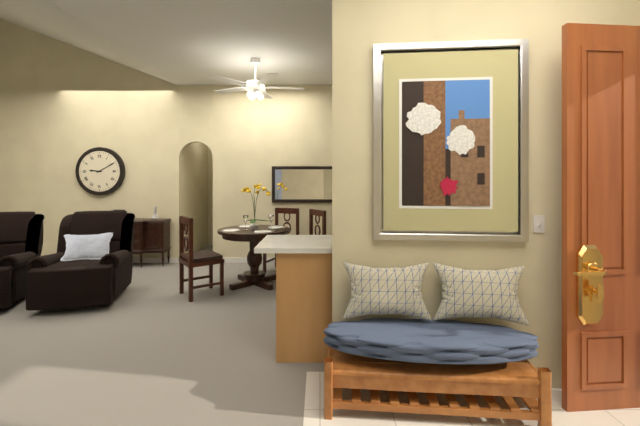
9 h 10 min
